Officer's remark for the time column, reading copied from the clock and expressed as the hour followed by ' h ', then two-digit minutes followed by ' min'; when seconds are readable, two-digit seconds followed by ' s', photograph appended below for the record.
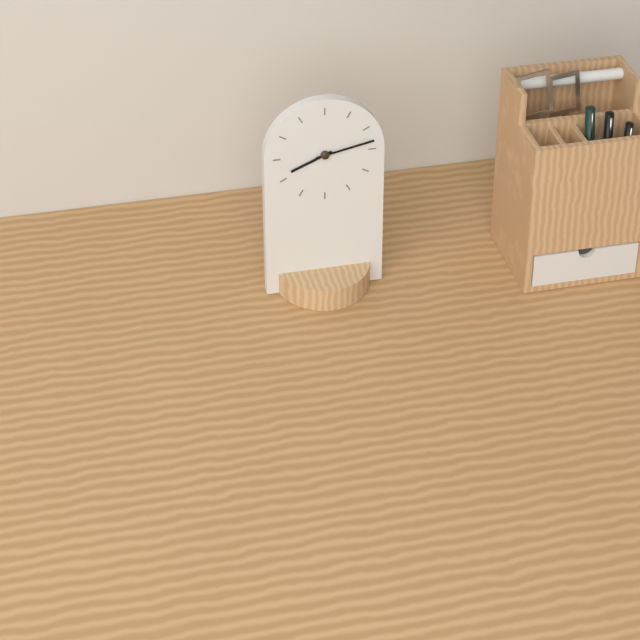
8 h 13 min
